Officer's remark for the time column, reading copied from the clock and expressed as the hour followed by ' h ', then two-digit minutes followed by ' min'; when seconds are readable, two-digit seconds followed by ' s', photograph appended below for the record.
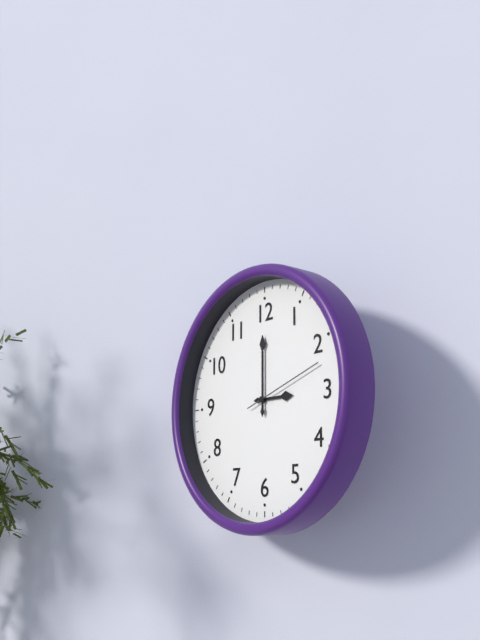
3 h 00 min 12 s
